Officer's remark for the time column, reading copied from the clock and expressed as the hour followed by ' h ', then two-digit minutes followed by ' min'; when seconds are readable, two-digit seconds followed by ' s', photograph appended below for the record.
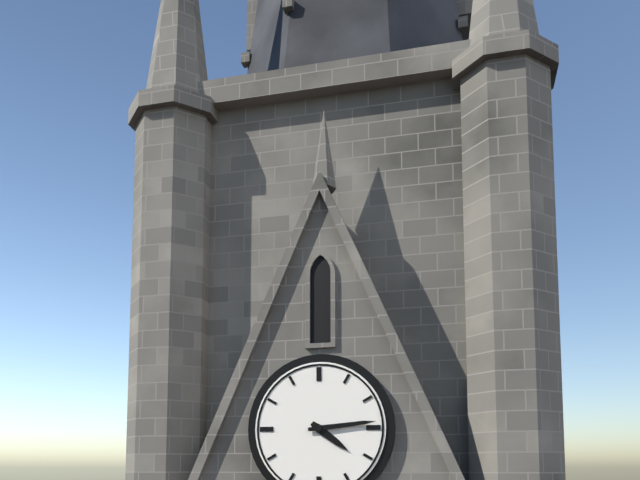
4 h 14 min
